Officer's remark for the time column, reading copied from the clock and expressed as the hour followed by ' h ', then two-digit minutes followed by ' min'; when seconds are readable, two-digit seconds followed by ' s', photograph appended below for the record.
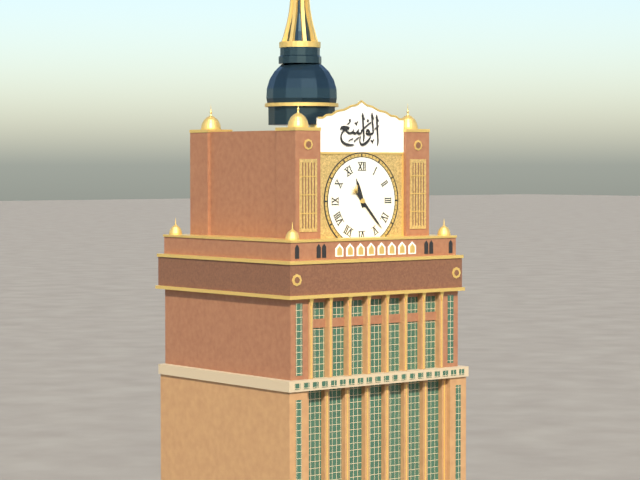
11 h 23 min
